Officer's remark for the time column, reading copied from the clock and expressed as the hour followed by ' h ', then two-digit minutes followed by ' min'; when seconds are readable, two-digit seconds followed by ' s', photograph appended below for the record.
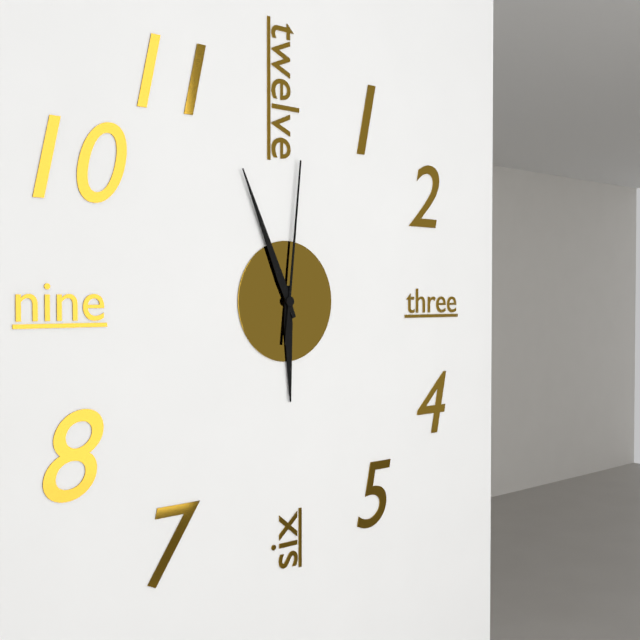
5 h 56 min 01 s
